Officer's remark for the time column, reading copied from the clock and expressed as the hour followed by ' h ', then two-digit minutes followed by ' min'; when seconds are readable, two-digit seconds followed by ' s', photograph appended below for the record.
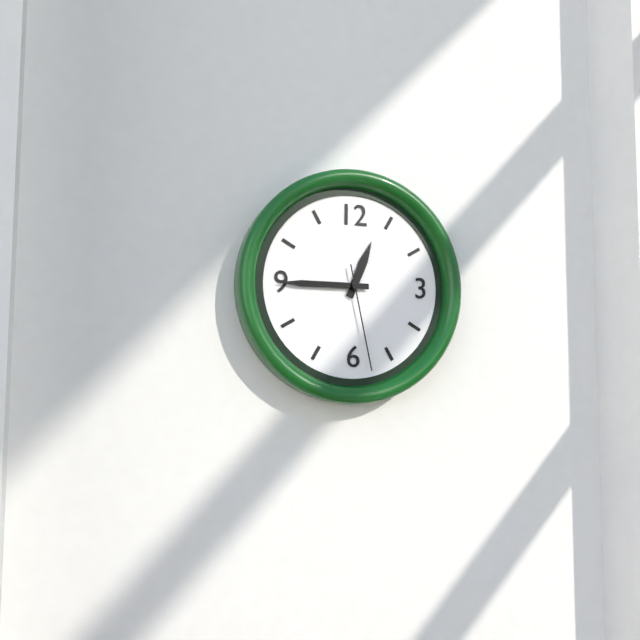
12 h 45 min 28 s
